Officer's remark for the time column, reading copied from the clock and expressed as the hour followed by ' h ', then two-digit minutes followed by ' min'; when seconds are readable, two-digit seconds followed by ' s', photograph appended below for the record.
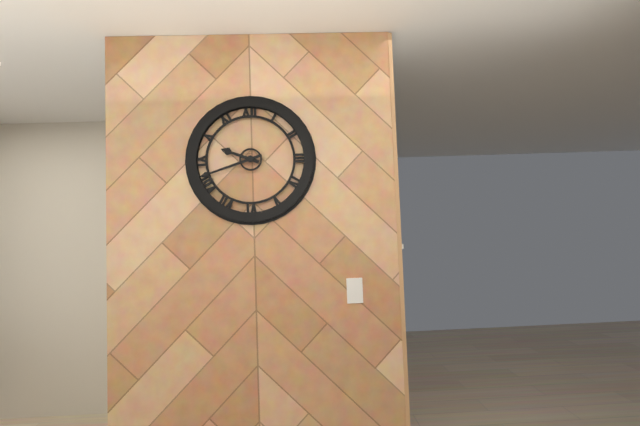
9 h 42 min
